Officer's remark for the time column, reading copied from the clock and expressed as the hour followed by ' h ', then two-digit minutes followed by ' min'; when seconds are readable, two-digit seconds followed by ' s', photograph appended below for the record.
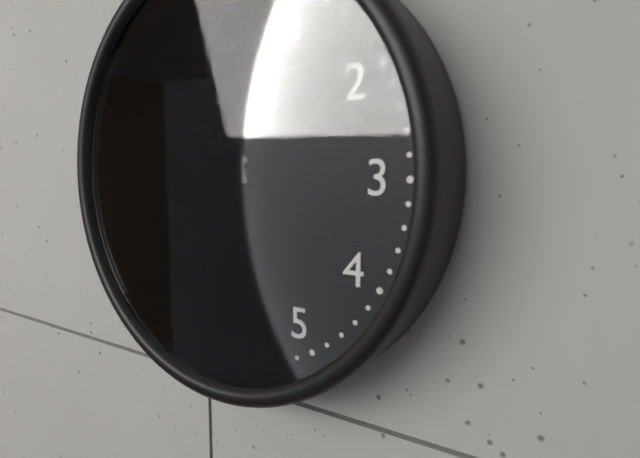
8 h 37 min
